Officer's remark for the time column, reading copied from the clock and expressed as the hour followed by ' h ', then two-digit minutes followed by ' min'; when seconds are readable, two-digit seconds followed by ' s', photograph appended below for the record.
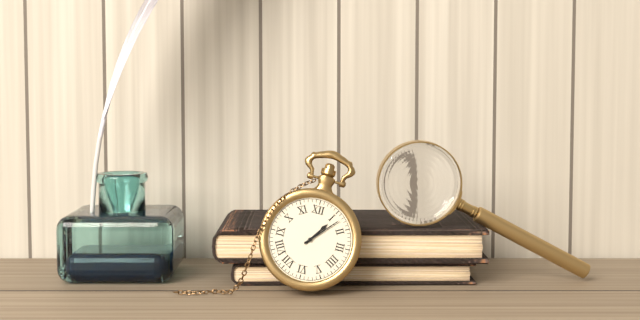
1 h 07 min
